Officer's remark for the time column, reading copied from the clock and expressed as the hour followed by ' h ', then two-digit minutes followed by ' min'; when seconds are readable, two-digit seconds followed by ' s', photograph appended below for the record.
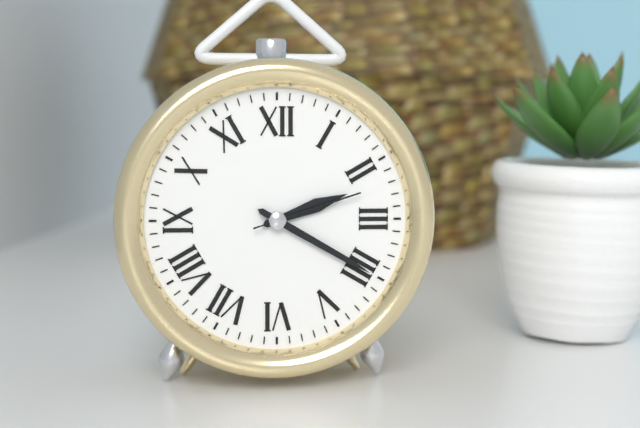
2 h 20 min 12 s
